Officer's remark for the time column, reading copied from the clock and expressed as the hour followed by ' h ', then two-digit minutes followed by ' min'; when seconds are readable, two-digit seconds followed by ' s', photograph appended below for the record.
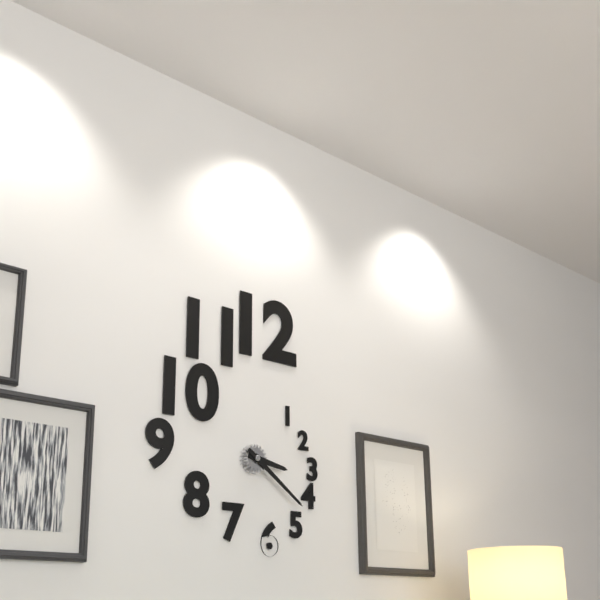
3 h 21 min
